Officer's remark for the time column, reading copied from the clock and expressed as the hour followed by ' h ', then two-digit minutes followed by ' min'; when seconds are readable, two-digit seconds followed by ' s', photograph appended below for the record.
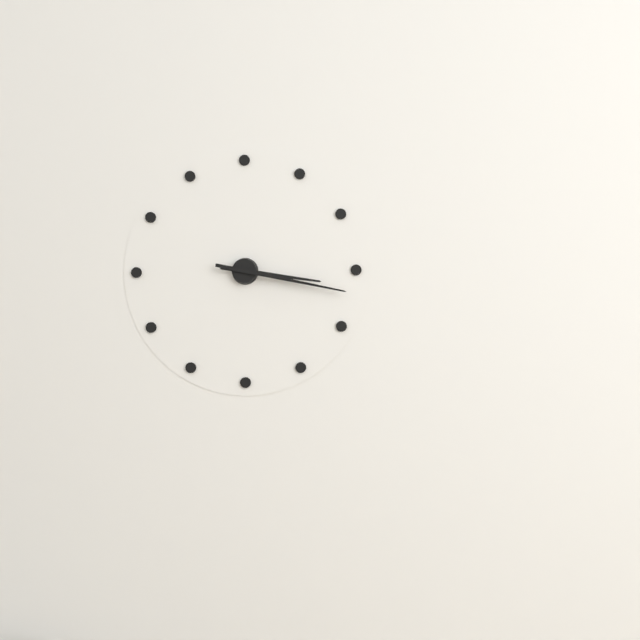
3 h 17 min
